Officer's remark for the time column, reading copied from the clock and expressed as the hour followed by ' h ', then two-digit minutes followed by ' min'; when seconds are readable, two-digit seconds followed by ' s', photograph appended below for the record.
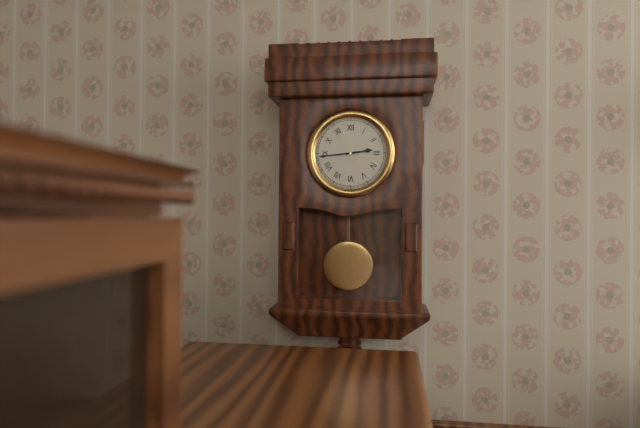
2 h 44 min
